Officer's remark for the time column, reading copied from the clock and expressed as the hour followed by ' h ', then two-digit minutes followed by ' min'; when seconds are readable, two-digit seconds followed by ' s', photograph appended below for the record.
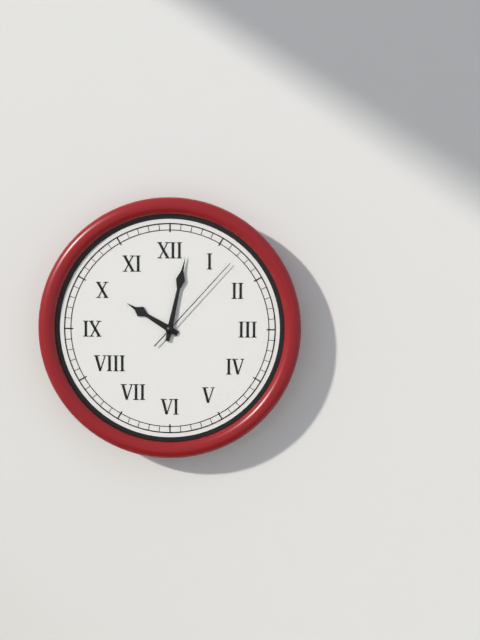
10 h 02 min 07 s
